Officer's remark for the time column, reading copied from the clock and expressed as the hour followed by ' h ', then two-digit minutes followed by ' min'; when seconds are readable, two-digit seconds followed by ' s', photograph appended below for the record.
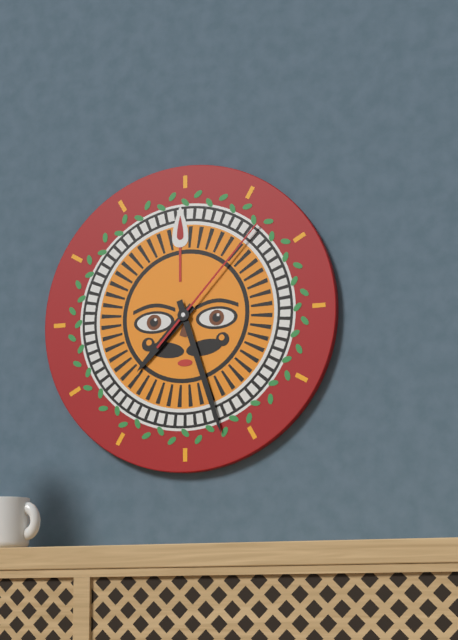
7 h 27 min 07 s
